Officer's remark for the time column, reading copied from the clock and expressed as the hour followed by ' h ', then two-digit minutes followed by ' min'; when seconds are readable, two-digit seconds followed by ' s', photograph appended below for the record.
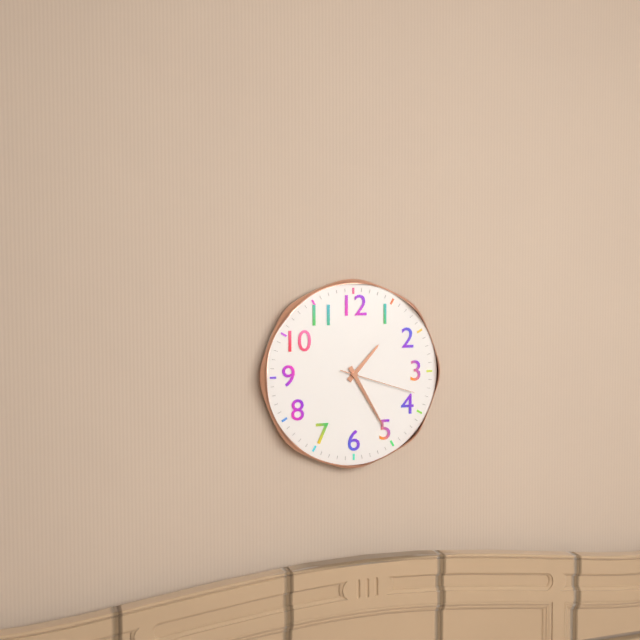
1 h 25 min 18 s
